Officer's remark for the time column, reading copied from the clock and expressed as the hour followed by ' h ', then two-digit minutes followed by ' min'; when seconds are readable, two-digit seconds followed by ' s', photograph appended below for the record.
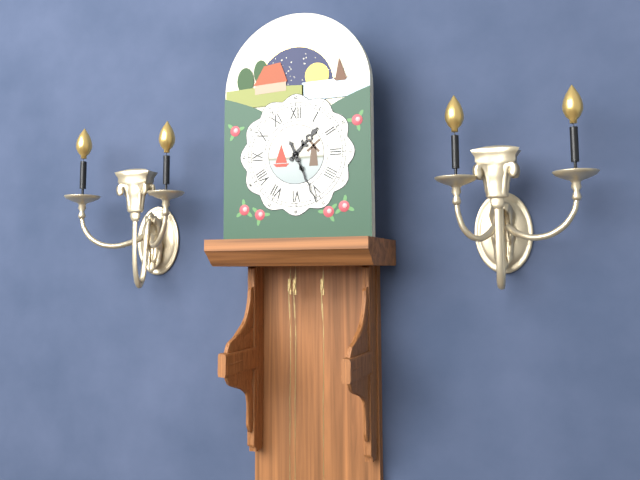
1 h 26 min
